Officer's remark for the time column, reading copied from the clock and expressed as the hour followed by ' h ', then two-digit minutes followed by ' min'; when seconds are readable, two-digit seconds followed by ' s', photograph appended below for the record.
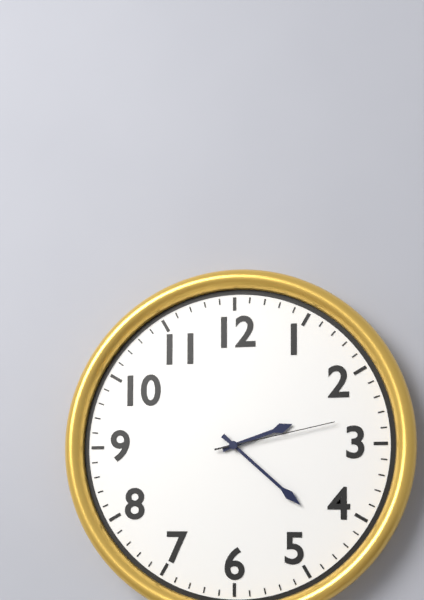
2 h 22 min 13 s
